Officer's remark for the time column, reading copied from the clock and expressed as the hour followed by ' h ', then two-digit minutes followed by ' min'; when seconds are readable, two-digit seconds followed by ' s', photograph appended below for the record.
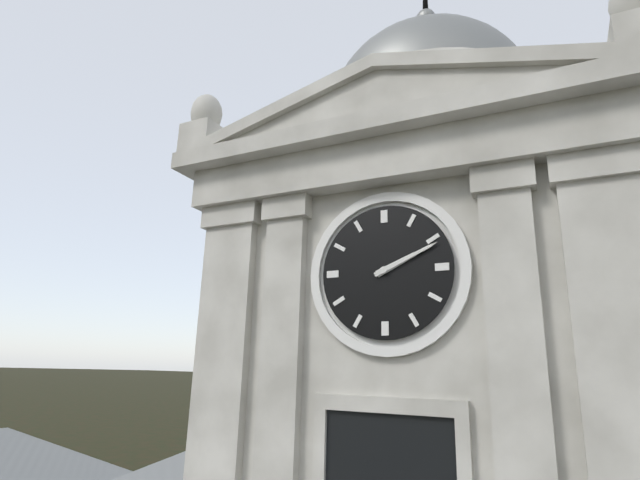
2 h 11 min
